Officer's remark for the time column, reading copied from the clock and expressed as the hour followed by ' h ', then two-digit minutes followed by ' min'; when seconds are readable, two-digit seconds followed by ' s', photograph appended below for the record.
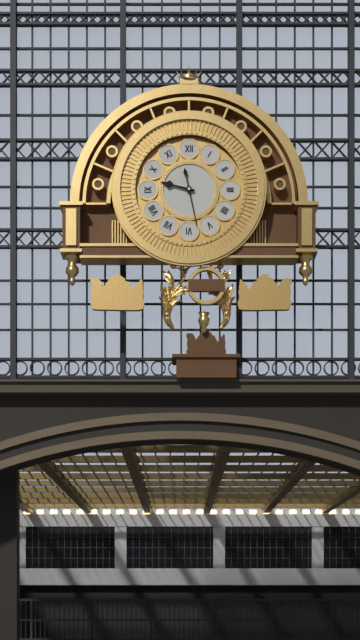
9 h 28 min
